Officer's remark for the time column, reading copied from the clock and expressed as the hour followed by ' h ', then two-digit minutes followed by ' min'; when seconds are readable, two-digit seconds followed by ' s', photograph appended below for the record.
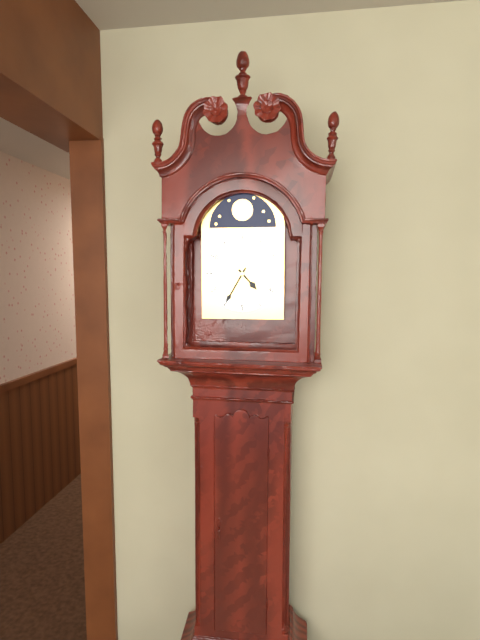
4 h 35 min
